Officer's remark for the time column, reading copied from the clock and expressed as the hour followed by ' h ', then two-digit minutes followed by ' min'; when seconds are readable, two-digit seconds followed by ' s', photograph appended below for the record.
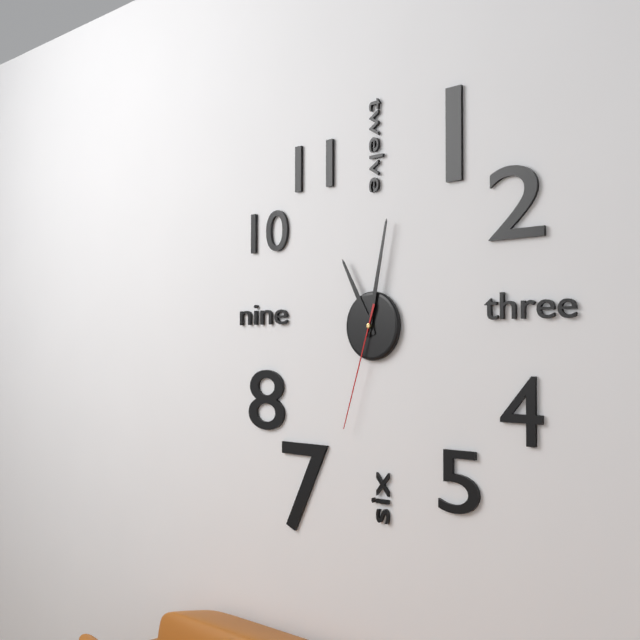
11 h 02 min 33 s
